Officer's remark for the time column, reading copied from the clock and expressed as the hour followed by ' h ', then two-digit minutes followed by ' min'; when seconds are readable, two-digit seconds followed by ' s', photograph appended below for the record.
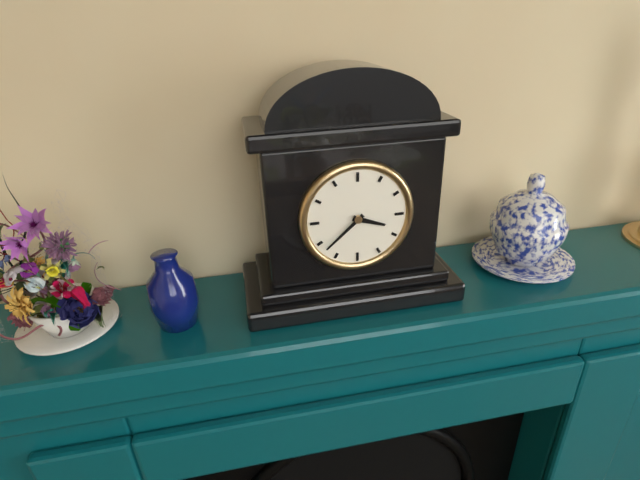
3 h 38 min
